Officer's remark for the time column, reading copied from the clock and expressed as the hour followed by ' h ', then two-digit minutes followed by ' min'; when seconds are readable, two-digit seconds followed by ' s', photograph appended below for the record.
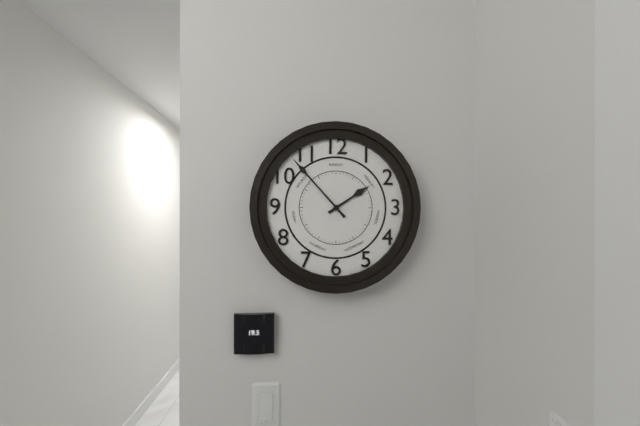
1 h 53 min
